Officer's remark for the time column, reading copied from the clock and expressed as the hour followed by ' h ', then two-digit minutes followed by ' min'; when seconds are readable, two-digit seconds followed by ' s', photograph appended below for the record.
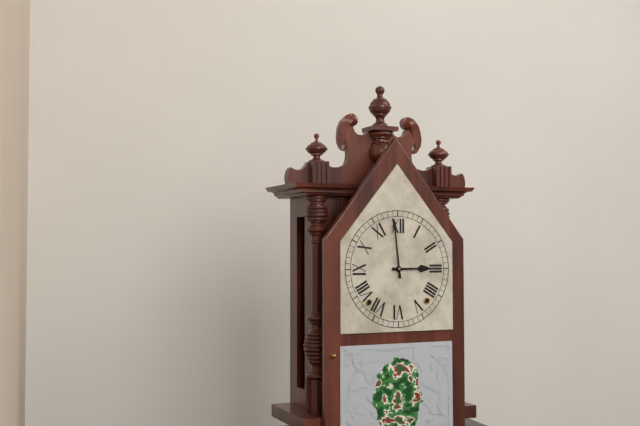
2 h 59 min
